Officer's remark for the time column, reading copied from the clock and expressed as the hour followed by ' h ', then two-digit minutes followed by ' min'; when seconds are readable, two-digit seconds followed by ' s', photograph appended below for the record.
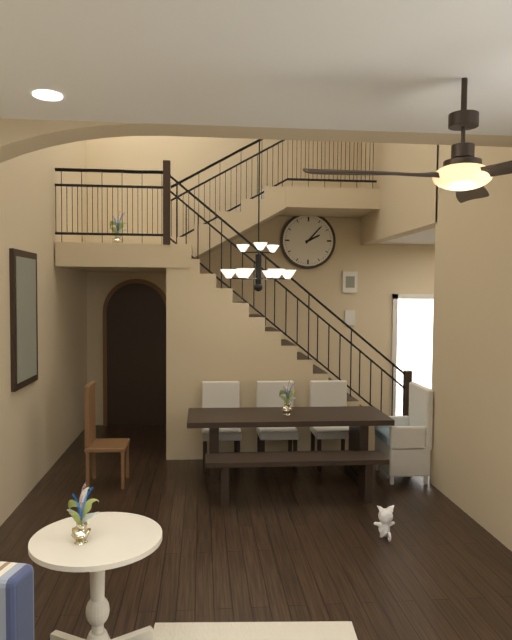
2 h 07 min
